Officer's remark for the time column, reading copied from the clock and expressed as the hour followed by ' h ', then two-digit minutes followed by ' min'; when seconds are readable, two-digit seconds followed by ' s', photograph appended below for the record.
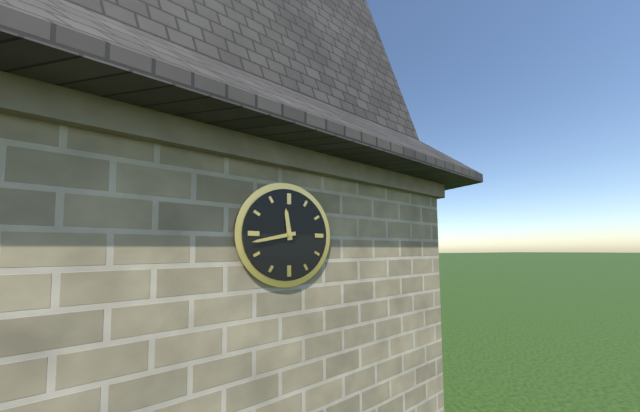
11 h 43 min
